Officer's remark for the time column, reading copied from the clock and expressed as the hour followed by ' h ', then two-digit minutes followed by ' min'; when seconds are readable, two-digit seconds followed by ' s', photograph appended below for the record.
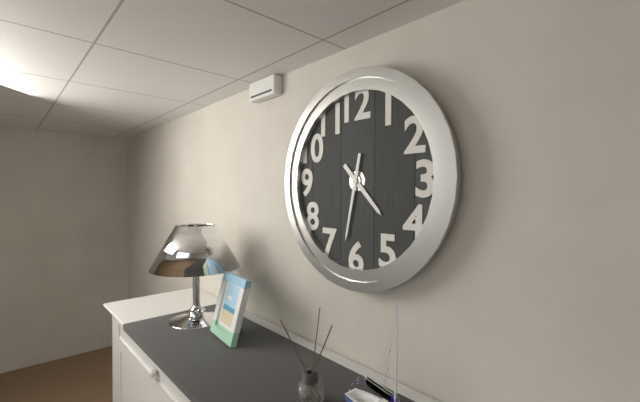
4 h 32 min
